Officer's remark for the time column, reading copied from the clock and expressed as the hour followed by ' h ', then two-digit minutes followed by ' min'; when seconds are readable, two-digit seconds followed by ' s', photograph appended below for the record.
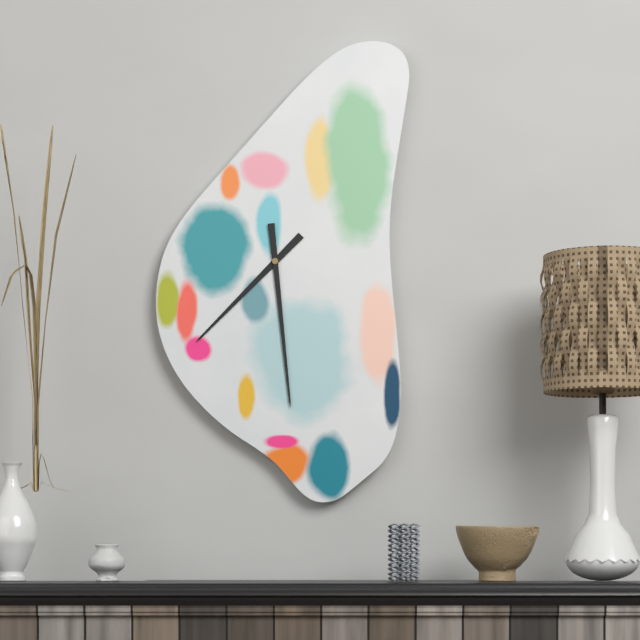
7 h 29 min
